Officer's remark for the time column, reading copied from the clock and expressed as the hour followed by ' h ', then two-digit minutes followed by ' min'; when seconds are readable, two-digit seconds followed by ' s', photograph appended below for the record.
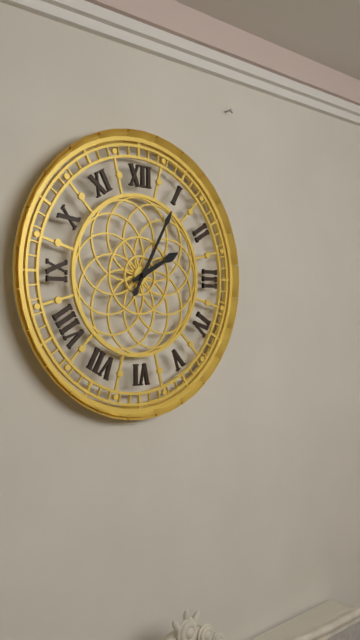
2 h 05 min
